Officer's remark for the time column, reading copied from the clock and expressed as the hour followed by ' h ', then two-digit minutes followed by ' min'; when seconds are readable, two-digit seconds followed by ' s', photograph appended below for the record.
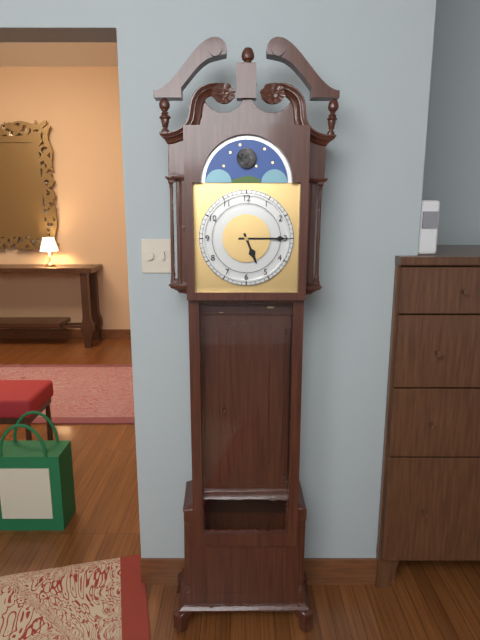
5 h 15 min
